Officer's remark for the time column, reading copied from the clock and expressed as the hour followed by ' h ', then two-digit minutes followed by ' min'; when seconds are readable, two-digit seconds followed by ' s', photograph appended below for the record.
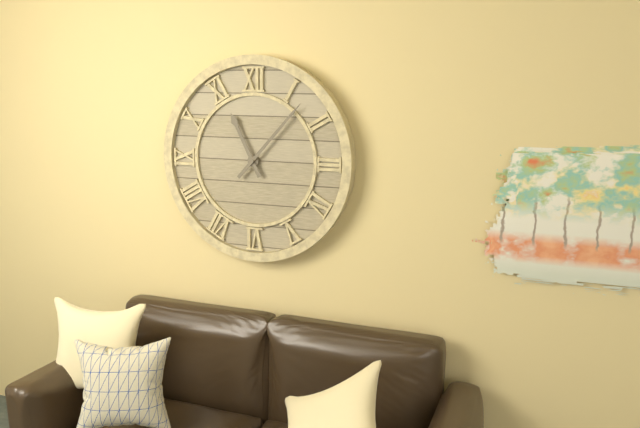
11 h 07 min
